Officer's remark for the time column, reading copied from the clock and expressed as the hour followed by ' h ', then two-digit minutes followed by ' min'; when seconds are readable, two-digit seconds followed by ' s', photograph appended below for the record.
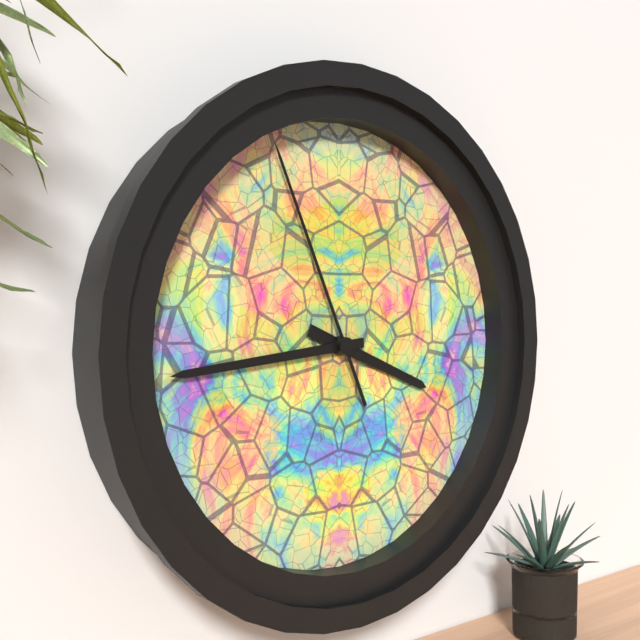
3 h 44 min 56 s
